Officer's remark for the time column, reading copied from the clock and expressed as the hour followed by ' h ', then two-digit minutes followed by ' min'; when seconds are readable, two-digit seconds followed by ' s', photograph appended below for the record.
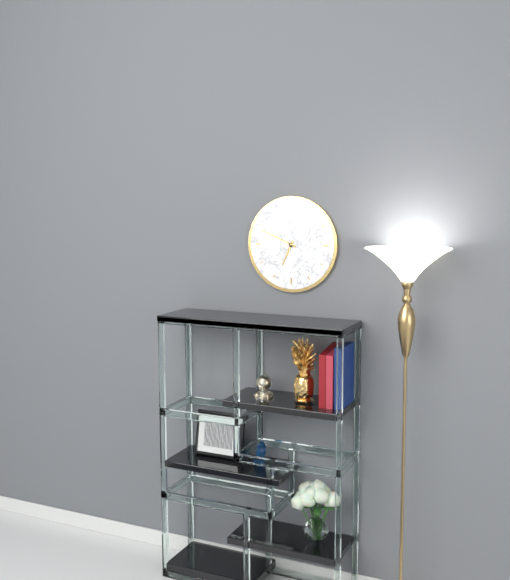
6 h 49 min
